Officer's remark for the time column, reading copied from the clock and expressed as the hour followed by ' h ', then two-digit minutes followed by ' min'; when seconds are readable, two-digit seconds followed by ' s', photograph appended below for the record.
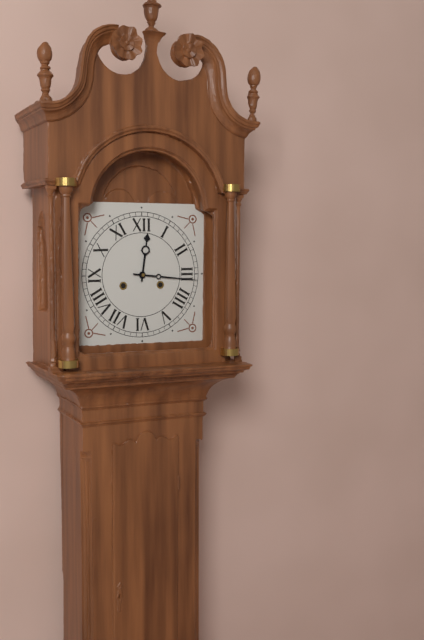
12 h 16 min
